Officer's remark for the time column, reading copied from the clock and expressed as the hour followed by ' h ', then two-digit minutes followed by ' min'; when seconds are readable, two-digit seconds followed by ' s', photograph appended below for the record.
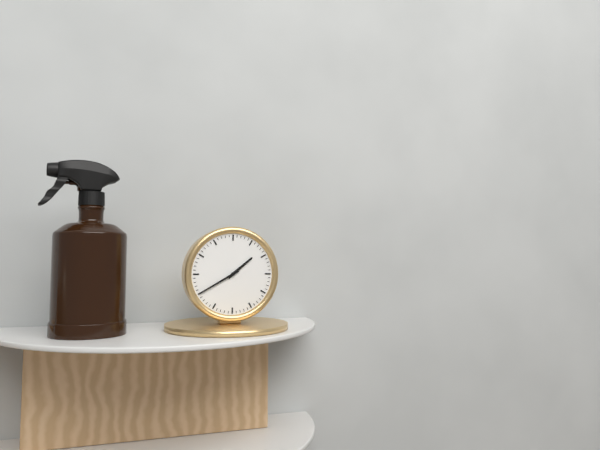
1 h 40 min
